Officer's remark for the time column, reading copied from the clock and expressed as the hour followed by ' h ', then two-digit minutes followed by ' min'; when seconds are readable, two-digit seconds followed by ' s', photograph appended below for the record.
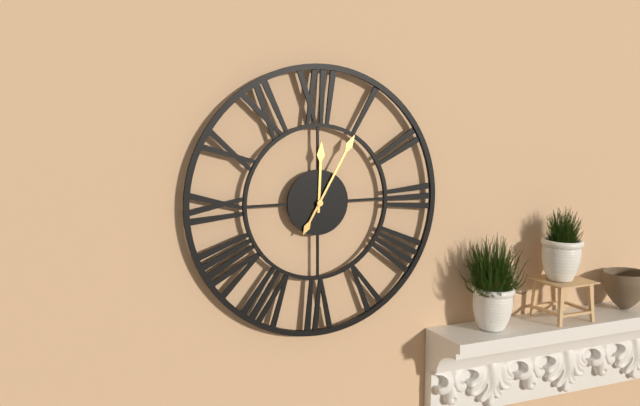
12 h 05 min
